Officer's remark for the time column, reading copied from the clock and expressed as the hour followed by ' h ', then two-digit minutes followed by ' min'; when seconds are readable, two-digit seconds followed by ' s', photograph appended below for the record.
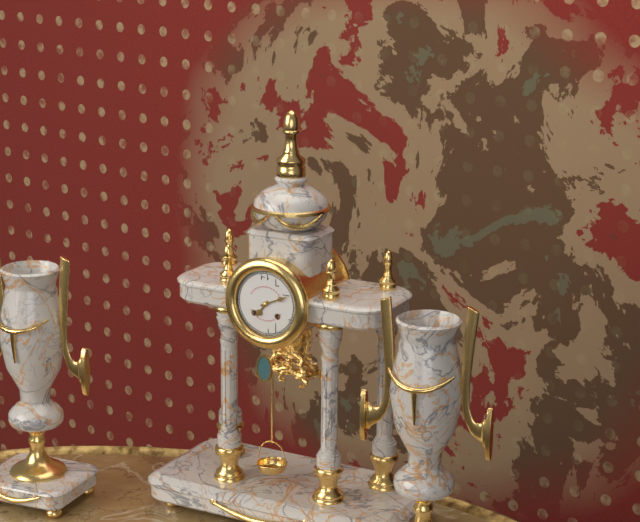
7 h 11 min
